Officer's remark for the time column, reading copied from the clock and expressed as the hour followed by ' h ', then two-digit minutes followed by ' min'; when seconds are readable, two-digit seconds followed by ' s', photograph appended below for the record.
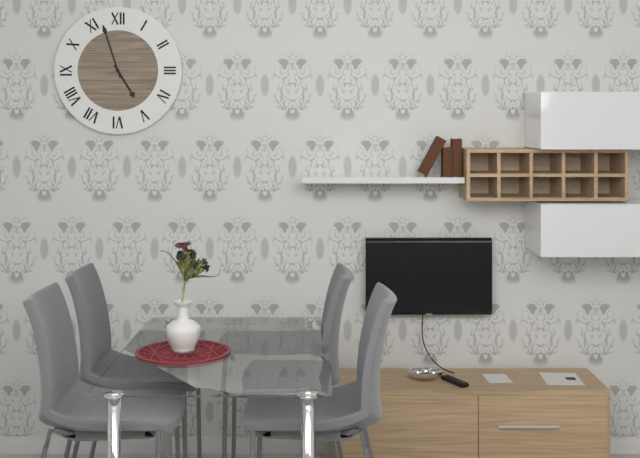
4 h 57 min
